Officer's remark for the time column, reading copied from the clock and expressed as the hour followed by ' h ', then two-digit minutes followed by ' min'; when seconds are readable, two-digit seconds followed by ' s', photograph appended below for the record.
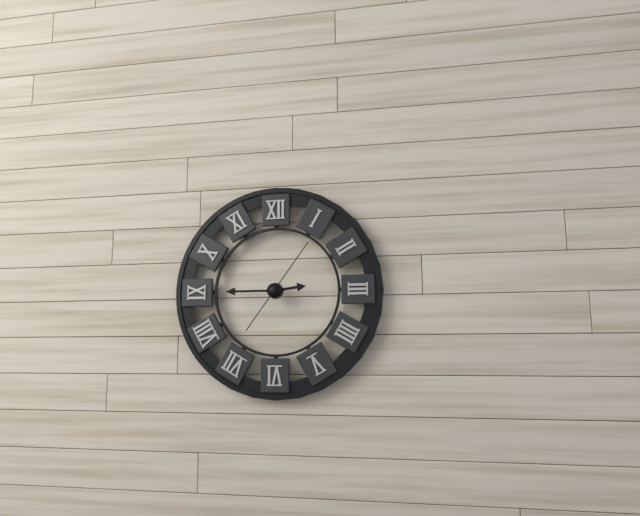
2 h 45 min 06 s
